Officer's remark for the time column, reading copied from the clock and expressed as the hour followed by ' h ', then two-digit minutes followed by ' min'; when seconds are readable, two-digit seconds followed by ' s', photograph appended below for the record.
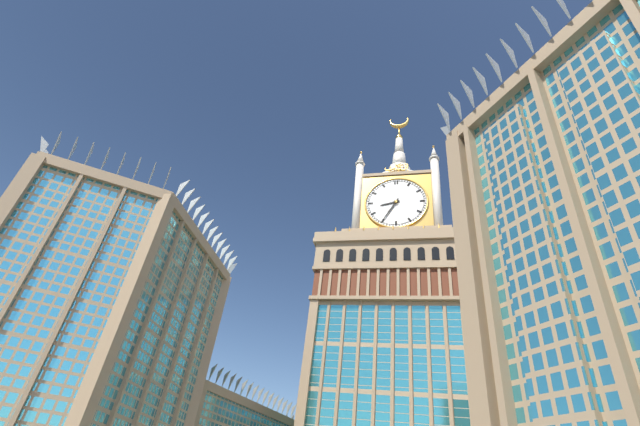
8 h 35 min
